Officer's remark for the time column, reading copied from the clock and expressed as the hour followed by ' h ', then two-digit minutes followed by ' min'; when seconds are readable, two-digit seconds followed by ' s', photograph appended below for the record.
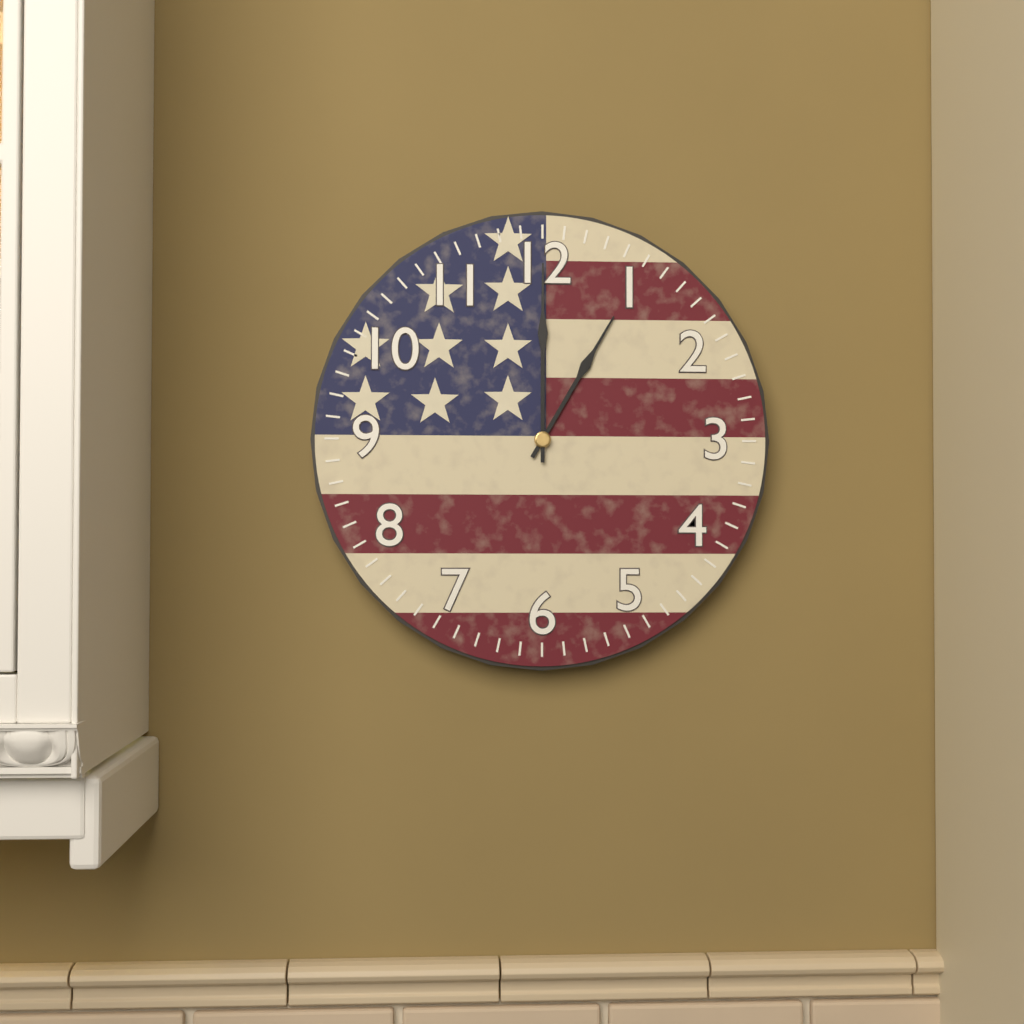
1 h 00 min
